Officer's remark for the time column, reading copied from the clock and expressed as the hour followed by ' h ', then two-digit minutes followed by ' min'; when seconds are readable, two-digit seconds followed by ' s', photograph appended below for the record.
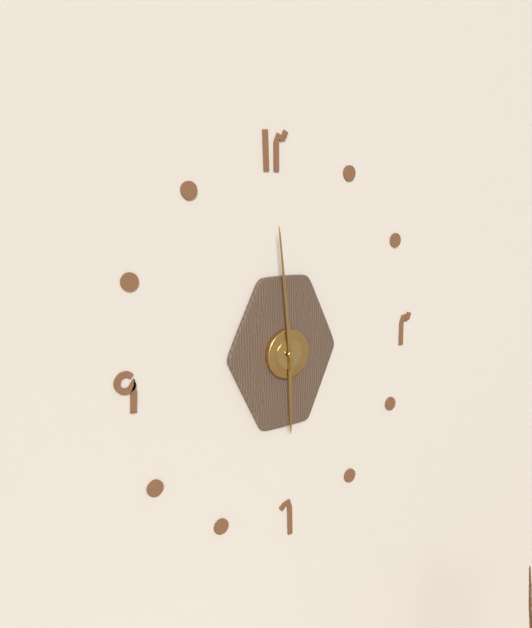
5 h 59 min
